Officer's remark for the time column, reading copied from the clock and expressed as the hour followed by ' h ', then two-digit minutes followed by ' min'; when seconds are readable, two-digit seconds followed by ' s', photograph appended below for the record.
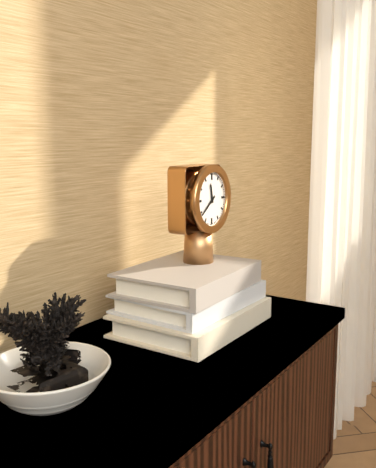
11 h 39 min
